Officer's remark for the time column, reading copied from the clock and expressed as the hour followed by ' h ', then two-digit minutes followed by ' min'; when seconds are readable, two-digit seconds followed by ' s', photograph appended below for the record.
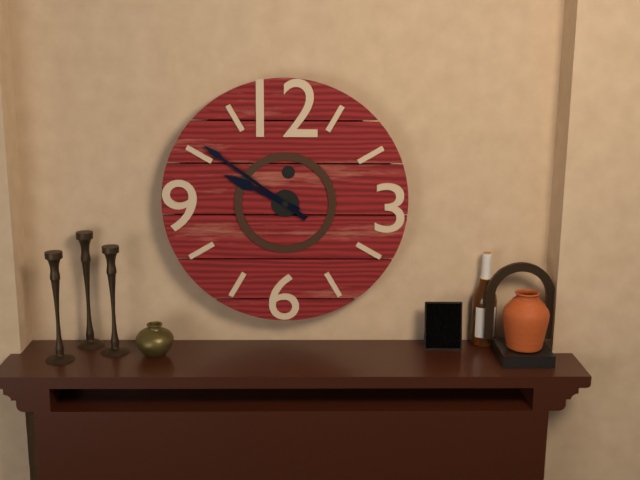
9 h 51 min
